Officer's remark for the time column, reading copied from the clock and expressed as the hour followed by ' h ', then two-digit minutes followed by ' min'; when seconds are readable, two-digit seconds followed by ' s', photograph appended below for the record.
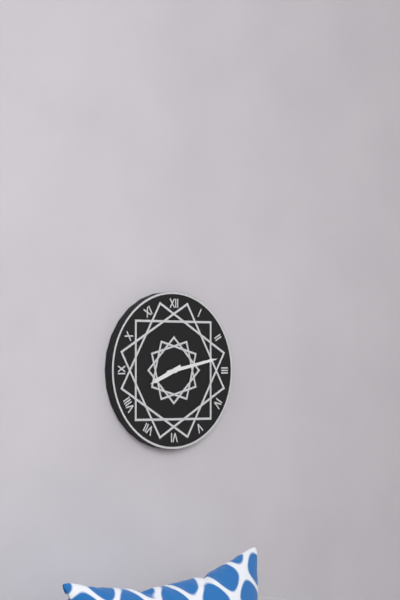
8 h 13 min
